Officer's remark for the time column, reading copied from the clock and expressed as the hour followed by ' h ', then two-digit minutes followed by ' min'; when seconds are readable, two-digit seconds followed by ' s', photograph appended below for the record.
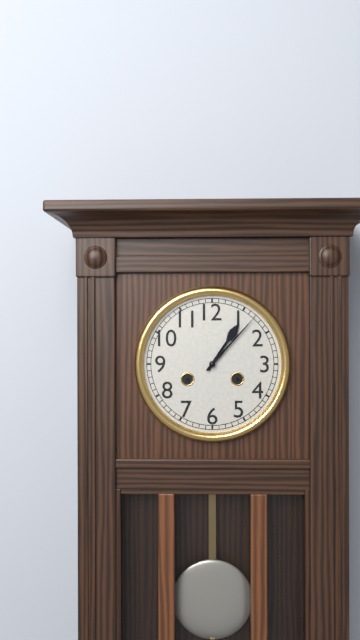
1 h 07 min
